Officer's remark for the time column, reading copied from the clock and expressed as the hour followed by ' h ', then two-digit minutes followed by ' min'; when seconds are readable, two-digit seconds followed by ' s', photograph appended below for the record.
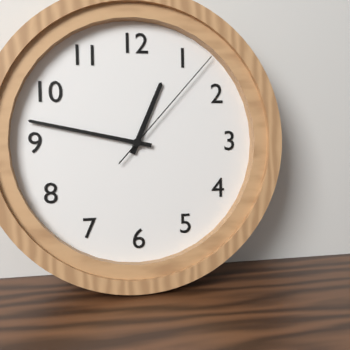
12 h 47 min 07 s
